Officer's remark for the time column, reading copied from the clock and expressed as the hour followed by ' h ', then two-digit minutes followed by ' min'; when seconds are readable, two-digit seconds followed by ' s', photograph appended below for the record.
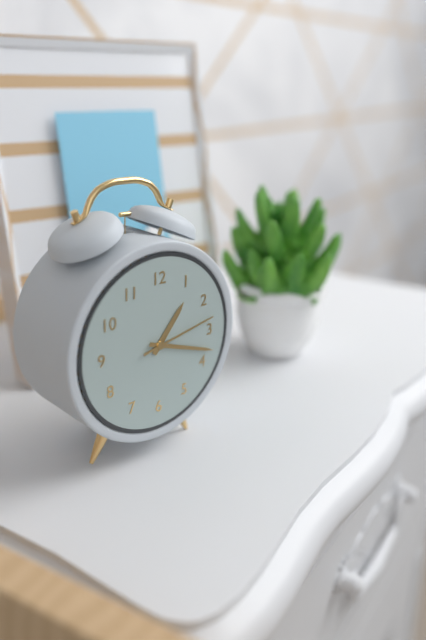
1 h 18 min 13 s
